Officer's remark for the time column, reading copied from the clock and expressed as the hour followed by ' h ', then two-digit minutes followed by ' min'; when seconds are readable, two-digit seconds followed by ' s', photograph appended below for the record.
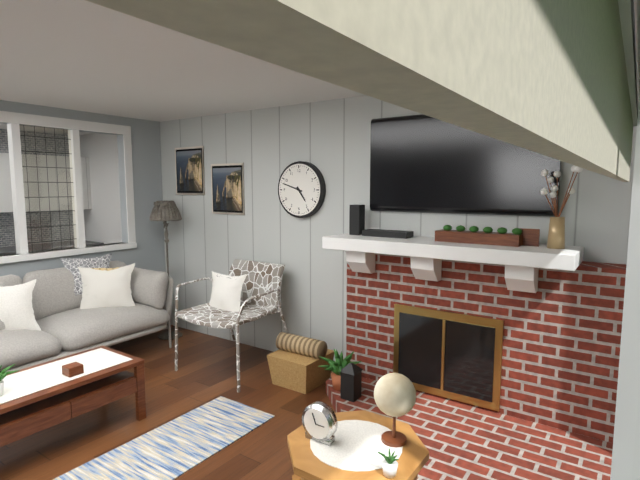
4 h 48 min
